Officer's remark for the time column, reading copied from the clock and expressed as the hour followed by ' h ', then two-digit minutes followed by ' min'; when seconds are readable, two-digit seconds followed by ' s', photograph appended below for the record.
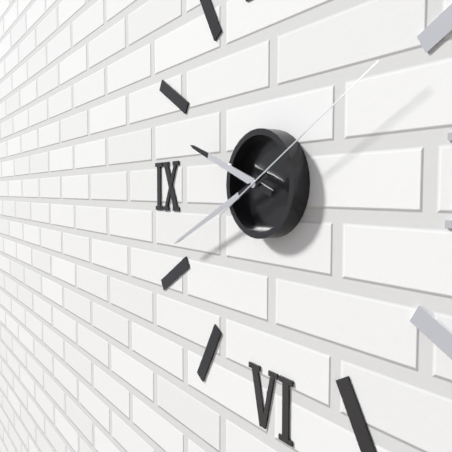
9 h 41 min 10 s
